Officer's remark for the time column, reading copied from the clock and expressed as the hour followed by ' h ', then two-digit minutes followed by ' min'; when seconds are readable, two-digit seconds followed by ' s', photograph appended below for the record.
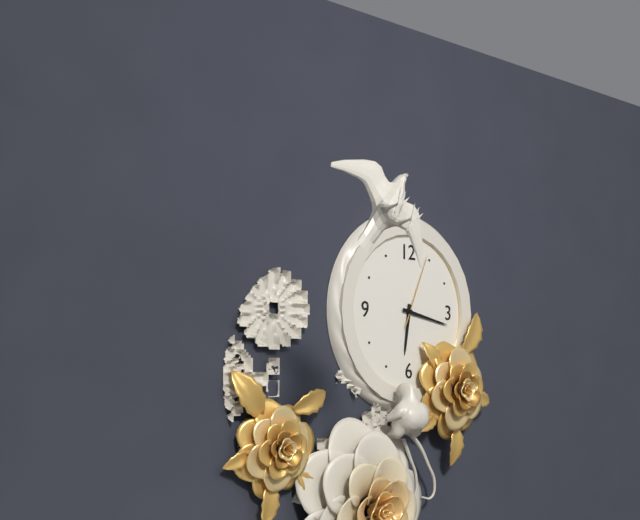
6 h 17 min 04 s
